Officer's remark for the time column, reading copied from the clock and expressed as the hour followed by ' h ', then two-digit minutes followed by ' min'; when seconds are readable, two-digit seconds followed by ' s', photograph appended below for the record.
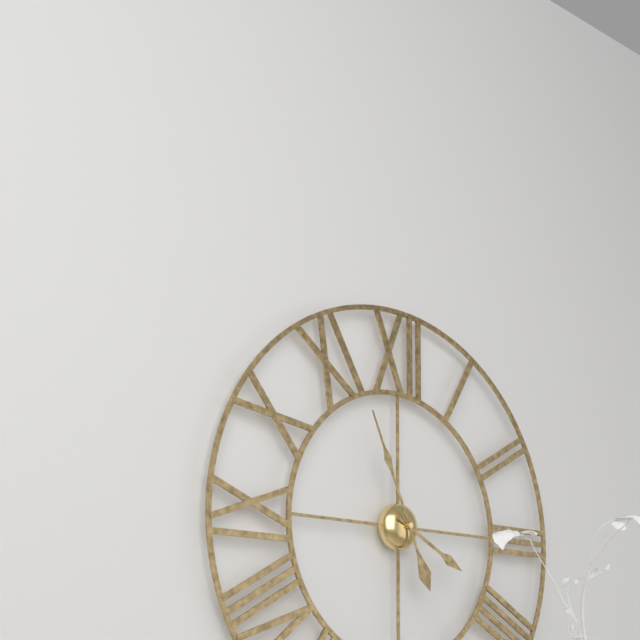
3 h 56 min
